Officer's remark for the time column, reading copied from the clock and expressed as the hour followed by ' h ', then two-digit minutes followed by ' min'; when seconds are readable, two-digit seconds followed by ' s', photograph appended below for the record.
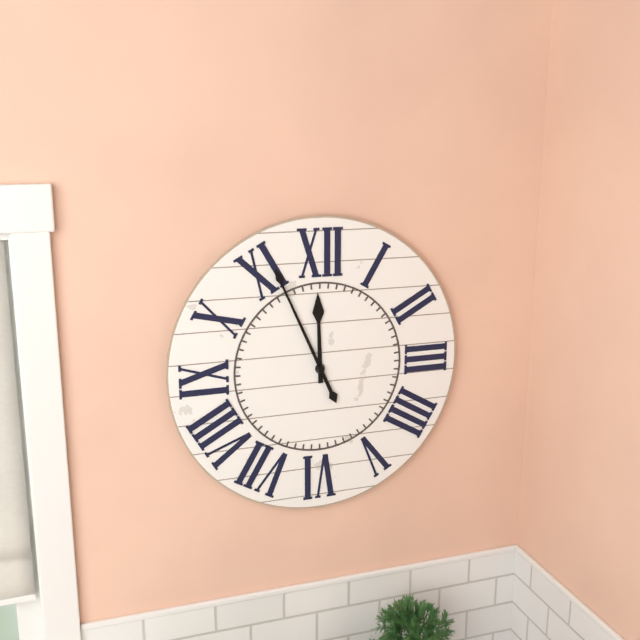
11 h 56 min
